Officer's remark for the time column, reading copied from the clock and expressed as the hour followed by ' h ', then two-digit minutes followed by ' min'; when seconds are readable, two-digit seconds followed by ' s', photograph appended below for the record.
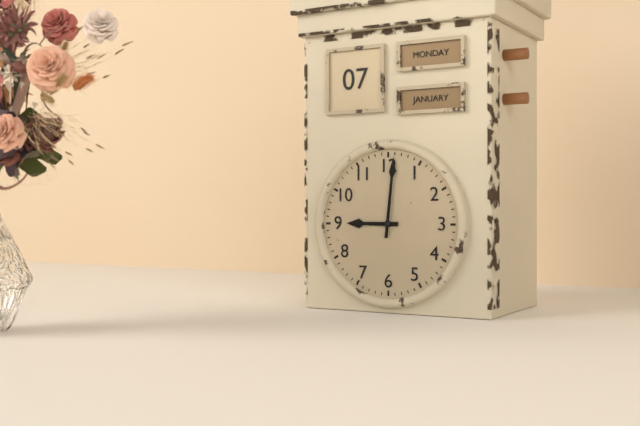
9 h 01 min
